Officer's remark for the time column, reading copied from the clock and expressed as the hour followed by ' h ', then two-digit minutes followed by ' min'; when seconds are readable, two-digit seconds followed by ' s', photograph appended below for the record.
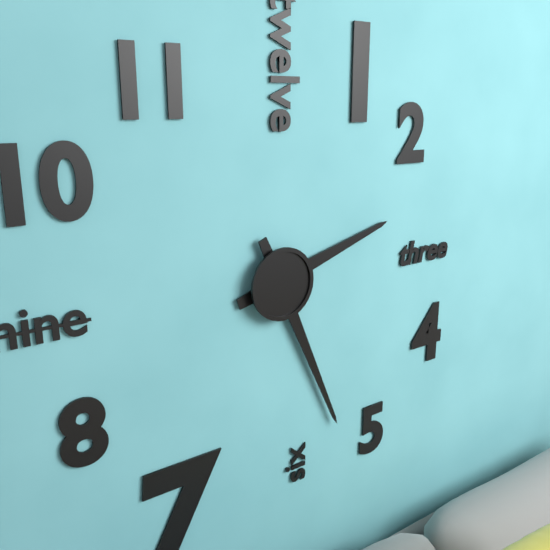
2 h 26 min
